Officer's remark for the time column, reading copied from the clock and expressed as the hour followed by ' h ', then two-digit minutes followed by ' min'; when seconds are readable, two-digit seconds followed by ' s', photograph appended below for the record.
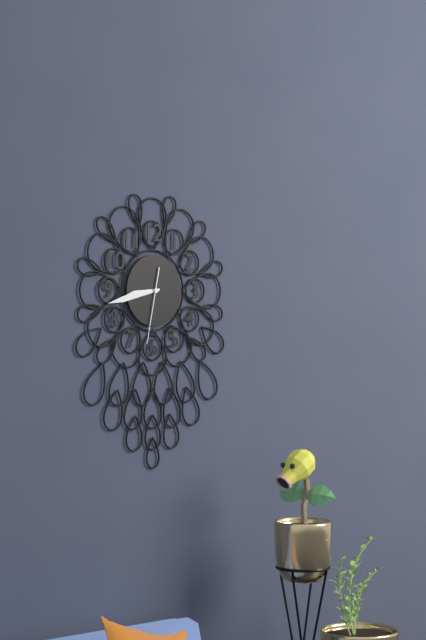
8 h 43 min 32 s
